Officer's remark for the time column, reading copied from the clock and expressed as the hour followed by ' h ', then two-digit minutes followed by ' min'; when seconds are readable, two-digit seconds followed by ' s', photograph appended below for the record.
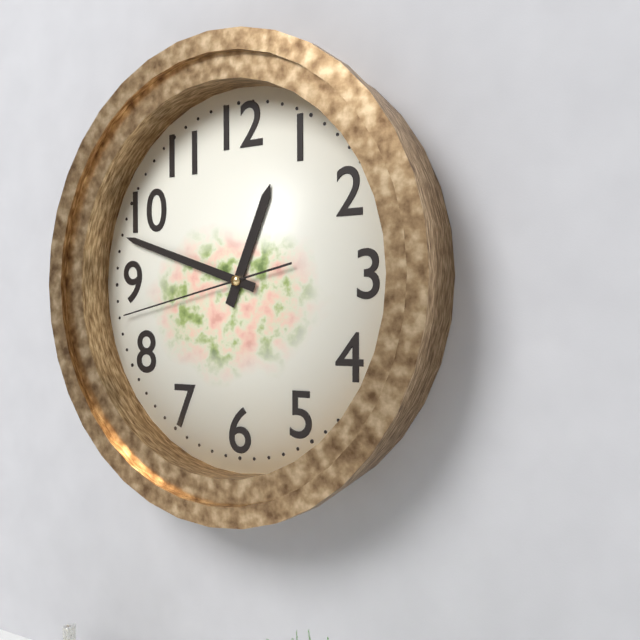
12 h 48 min 43 s
